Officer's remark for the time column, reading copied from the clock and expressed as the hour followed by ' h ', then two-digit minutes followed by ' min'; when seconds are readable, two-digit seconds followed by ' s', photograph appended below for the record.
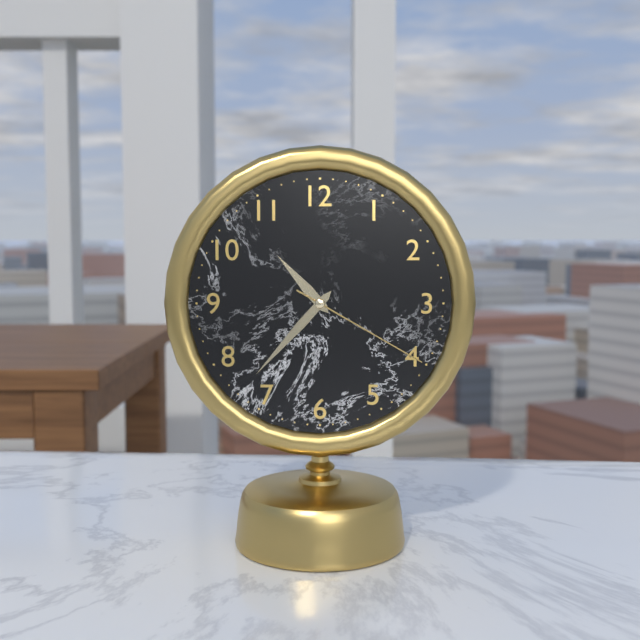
10 h 37 min 20 s
